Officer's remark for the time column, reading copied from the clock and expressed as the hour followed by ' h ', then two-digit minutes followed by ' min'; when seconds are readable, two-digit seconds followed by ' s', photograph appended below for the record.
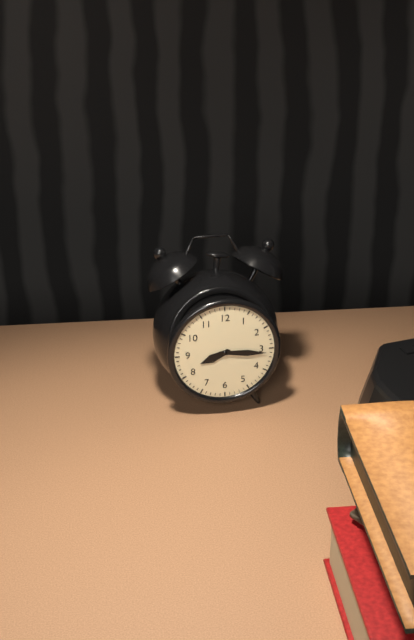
8 h 16 min
